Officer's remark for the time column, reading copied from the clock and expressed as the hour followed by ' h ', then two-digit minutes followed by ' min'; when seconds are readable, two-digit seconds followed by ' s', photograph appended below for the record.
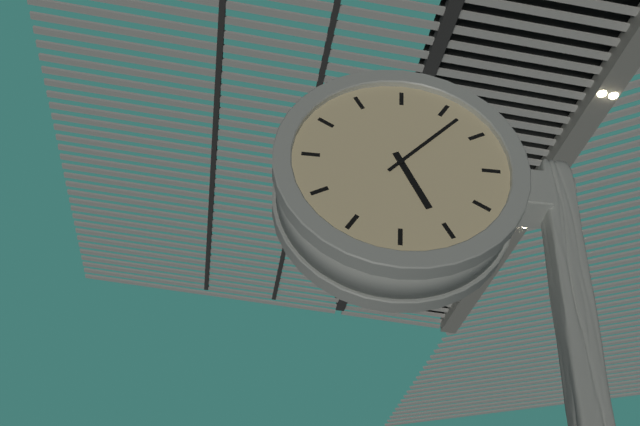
5 h 07 min
